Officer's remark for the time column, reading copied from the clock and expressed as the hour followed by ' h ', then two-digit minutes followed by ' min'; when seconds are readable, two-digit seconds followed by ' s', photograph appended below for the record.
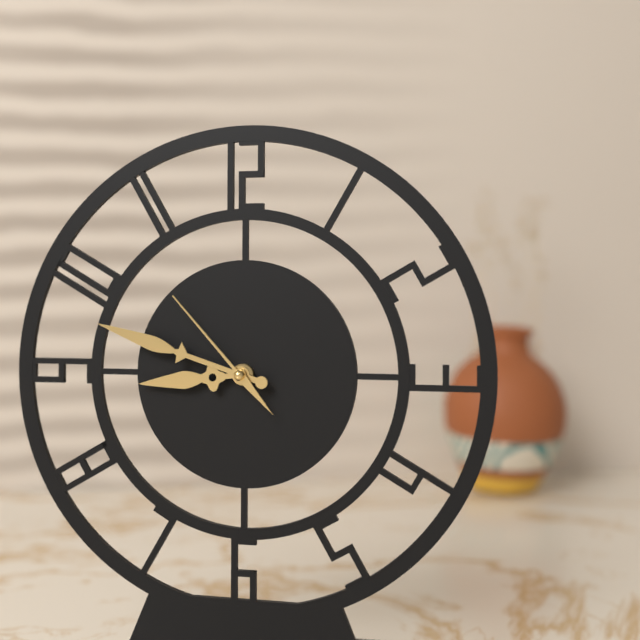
8 h 48 min 53 s
